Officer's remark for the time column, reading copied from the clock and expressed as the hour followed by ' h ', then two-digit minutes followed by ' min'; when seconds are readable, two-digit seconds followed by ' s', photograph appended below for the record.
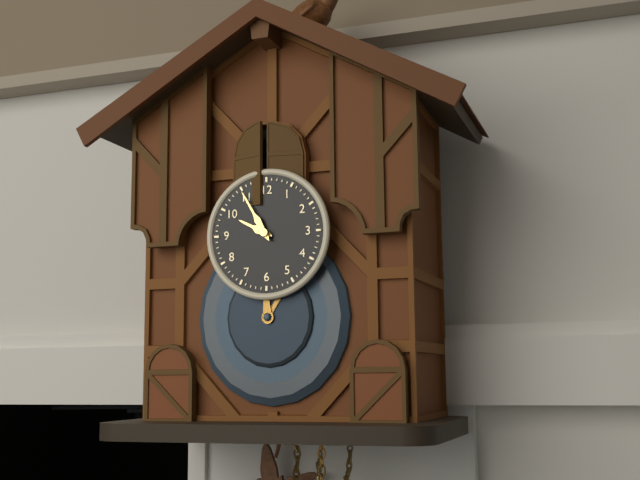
9 h 55 min
